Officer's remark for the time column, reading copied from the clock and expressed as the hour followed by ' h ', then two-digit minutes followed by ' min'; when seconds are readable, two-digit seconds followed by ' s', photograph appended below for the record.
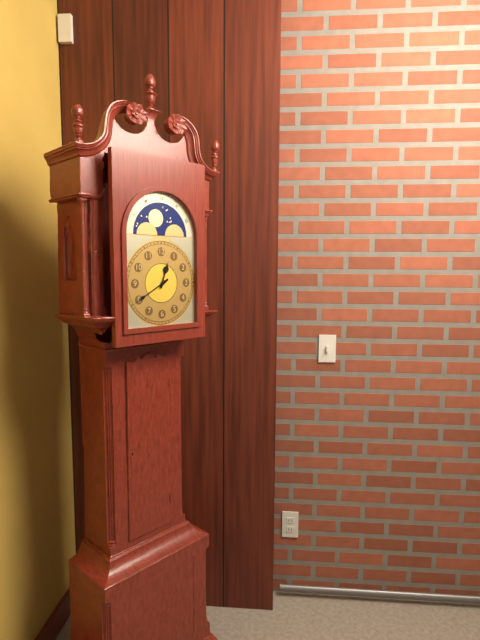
12 h 40 min
